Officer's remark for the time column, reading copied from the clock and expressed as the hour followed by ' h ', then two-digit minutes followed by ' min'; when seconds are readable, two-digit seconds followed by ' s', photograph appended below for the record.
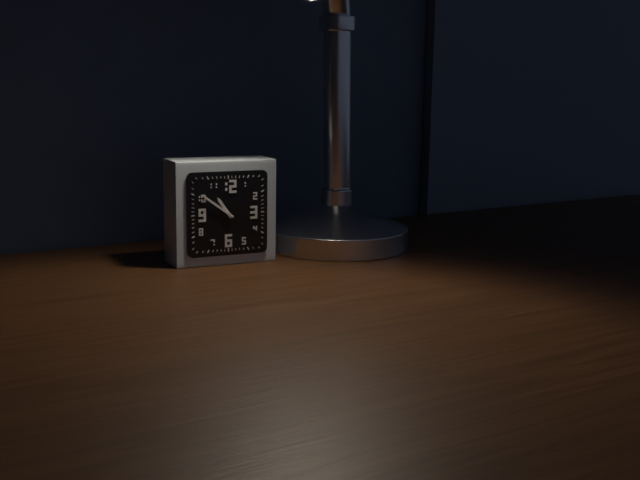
10 h 51 min
